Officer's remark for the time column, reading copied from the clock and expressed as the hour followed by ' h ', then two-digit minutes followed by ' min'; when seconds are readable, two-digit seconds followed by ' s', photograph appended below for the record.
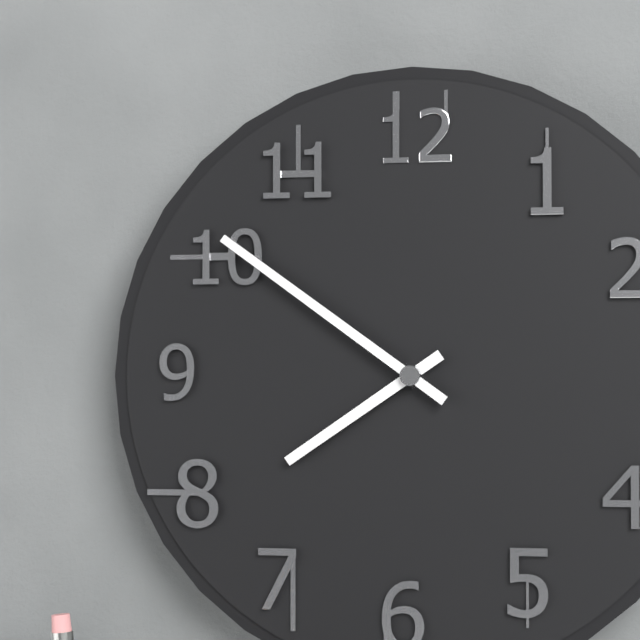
7 h 51 min
